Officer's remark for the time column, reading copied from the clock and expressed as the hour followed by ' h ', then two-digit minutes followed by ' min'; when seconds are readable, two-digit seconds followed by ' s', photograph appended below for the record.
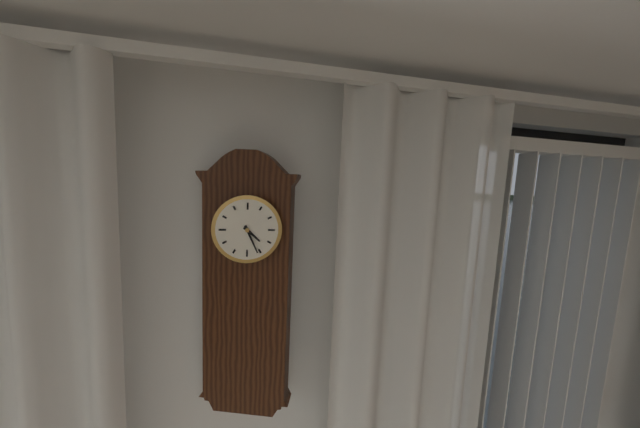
4 h 26 min
